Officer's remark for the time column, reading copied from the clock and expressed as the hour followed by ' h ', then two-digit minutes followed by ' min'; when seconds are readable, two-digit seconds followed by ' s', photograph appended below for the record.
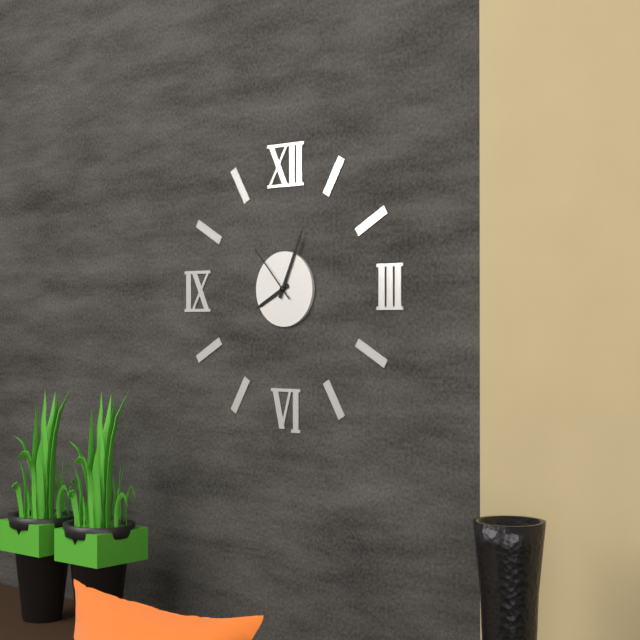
8 h 04 min 53 s
